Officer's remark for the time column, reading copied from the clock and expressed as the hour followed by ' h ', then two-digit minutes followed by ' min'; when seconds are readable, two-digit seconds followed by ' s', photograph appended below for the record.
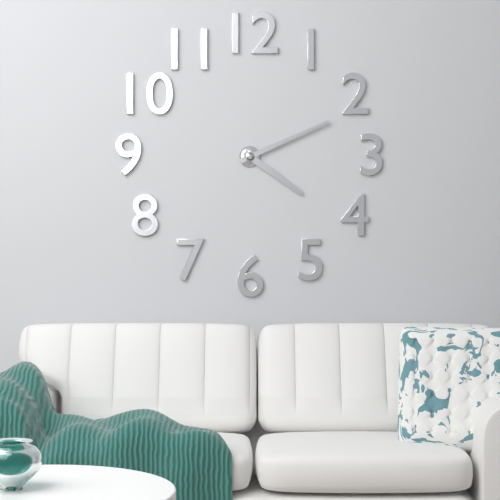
4 h 11 min
